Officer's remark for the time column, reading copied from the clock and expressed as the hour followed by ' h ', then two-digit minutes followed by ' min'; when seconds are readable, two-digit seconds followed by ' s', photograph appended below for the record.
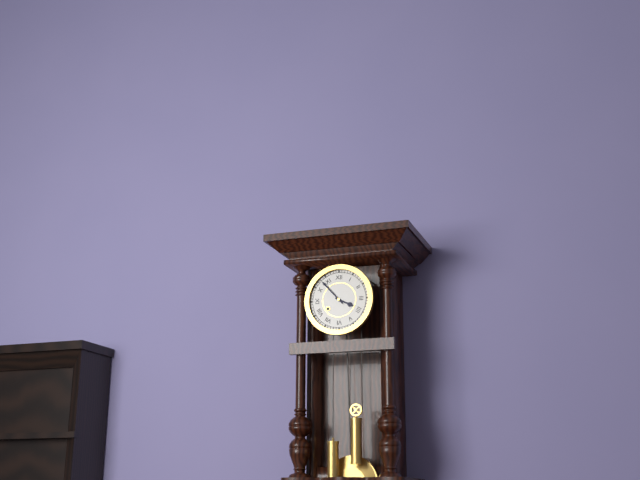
3 h 53 min
